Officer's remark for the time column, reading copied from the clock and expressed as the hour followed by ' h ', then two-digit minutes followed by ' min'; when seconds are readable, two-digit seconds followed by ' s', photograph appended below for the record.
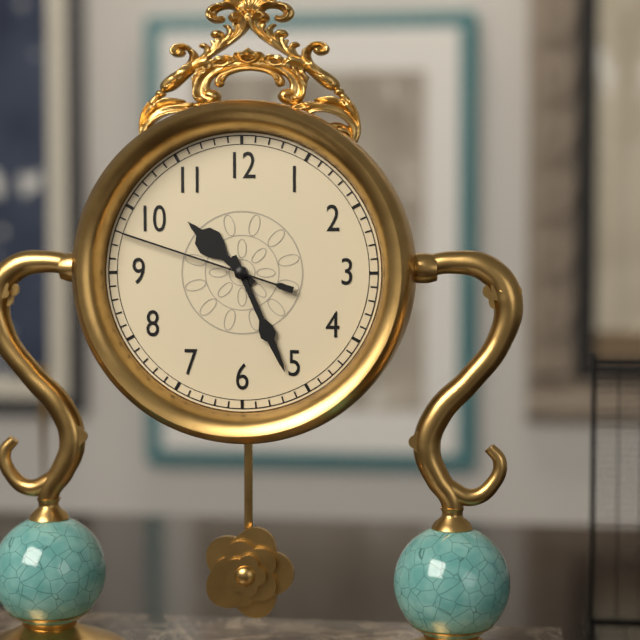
10 h 26 min 48 s
